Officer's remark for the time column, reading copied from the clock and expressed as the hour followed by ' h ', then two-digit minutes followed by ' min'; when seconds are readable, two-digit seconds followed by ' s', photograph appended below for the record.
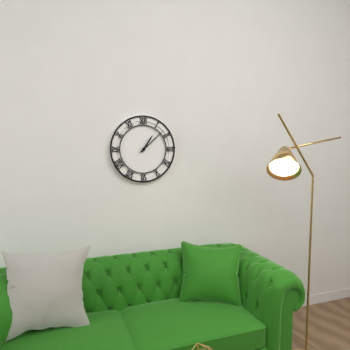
1 h 08 min
